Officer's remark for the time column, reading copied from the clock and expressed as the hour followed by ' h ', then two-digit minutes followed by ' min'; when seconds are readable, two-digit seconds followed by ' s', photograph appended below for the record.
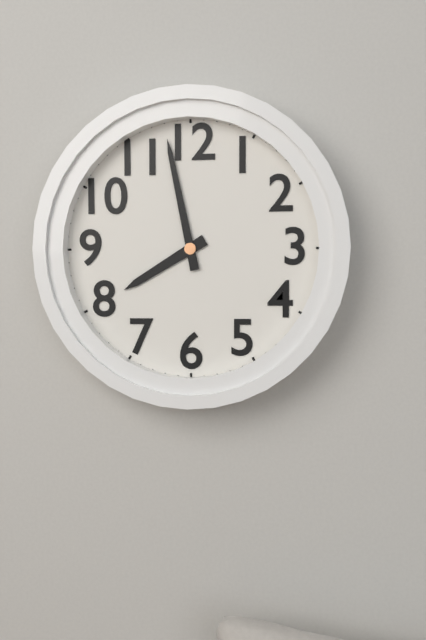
7 h 58 min
